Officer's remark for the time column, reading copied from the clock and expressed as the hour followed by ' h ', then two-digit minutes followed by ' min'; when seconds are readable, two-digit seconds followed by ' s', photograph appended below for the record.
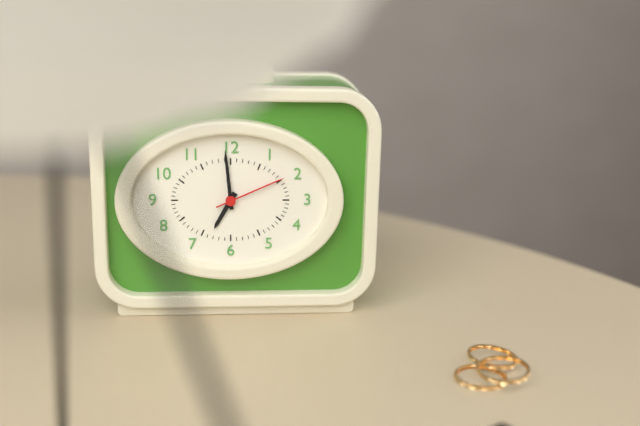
6 h 59 min 11 s
